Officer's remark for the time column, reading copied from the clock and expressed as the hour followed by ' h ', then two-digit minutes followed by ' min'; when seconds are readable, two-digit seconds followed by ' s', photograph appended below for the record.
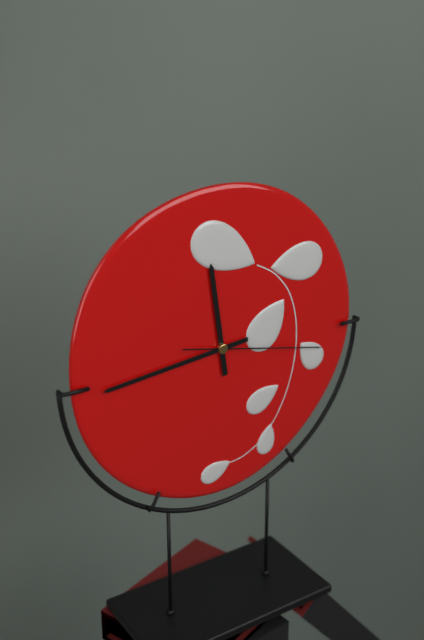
11 h 44 min 17 s
